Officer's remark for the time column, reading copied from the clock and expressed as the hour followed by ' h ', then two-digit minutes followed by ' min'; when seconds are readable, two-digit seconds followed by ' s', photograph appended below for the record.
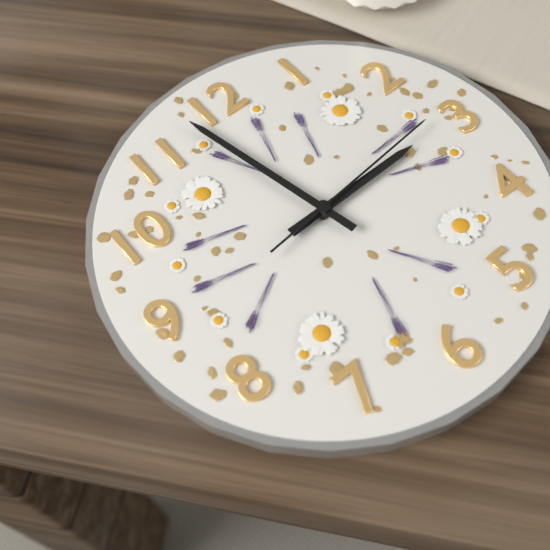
2 h 58 min 14 s
